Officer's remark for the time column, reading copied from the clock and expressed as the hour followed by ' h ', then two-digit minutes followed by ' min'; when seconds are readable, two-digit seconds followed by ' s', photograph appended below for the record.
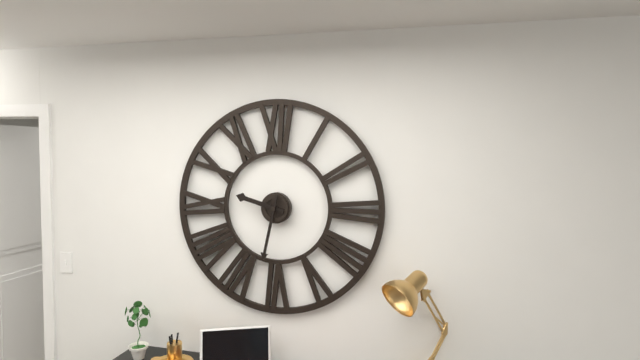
9 h 32 min
